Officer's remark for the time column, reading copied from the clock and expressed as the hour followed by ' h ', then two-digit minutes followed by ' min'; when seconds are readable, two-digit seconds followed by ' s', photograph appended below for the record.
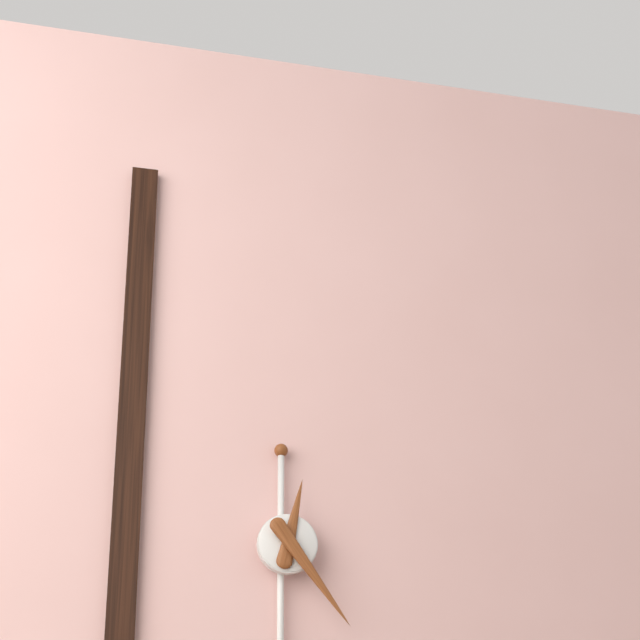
12 h 24 min
